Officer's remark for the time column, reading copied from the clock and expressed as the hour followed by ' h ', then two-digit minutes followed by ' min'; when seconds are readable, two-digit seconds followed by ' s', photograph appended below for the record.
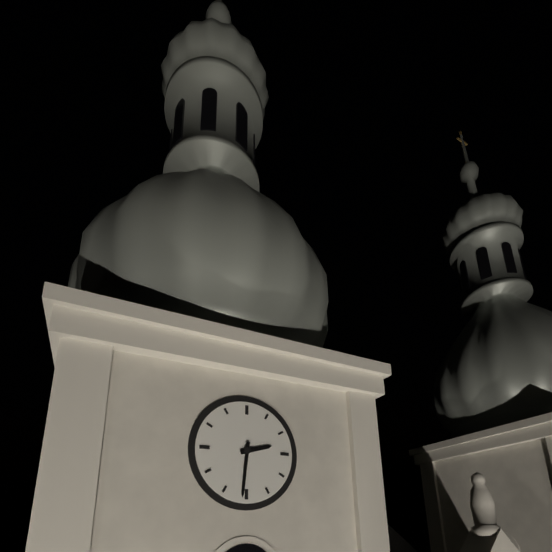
2 h 31 min
